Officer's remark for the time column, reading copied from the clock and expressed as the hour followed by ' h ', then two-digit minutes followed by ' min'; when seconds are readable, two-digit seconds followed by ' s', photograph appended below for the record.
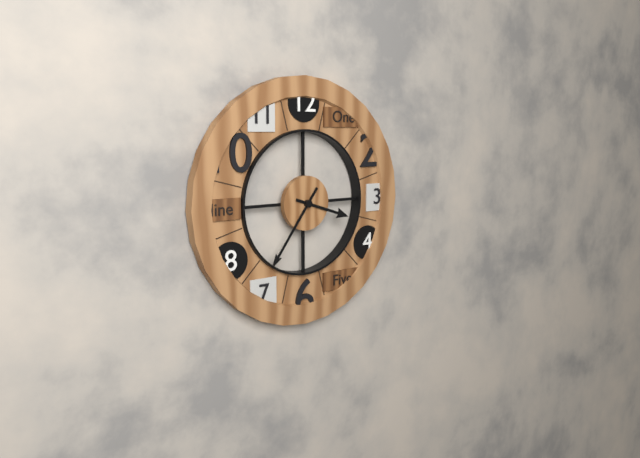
3 h 36 min
